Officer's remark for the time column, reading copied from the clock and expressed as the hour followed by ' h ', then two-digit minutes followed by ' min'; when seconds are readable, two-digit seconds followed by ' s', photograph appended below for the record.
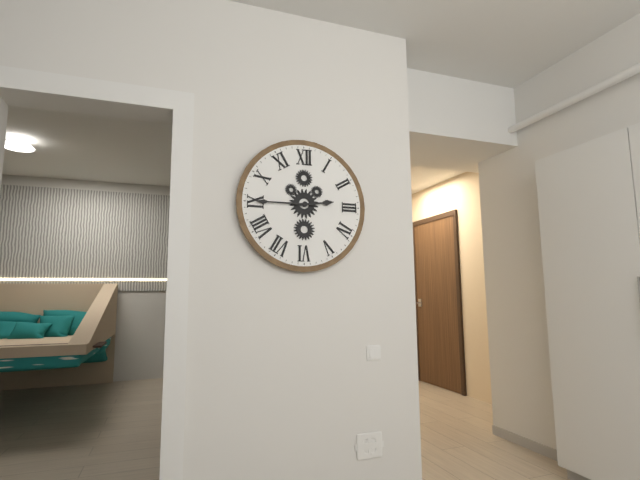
2 h 45 min
